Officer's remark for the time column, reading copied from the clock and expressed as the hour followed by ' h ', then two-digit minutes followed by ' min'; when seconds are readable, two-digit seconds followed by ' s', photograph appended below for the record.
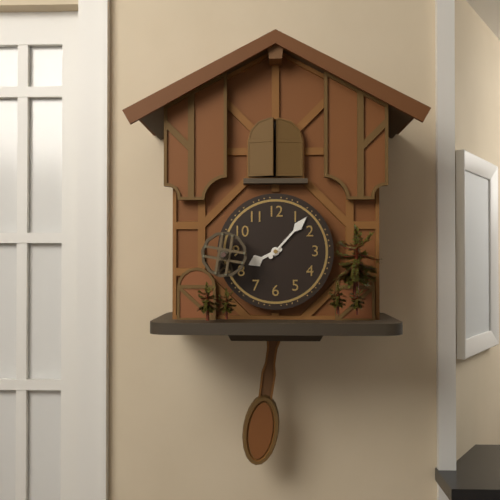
8 h 07 min
